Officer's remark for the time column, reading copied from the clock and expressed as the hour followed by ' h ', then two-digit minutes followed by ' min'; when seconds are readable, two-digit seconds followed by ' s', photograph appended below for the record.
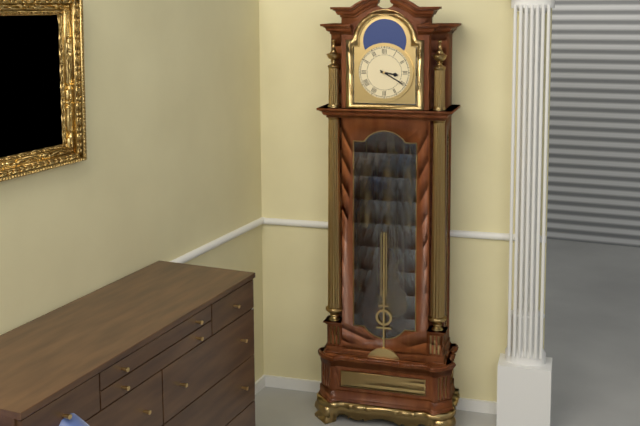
3 h 20 min
